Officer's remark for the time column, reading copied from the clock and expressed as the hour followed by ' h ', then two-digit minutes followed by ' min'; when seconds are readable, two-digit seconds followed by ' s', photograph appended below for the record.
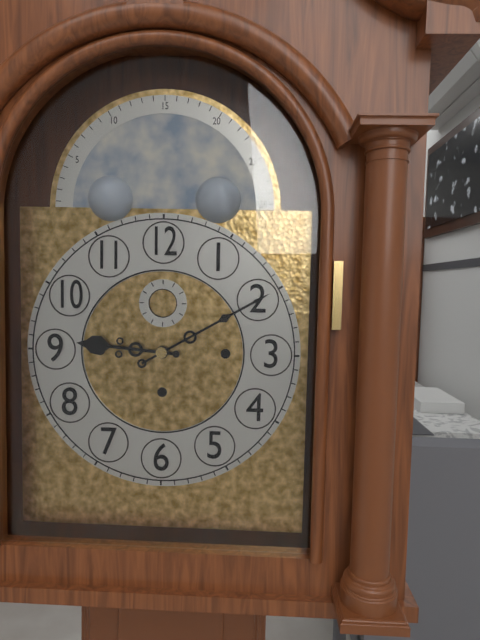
9 h 10 min
